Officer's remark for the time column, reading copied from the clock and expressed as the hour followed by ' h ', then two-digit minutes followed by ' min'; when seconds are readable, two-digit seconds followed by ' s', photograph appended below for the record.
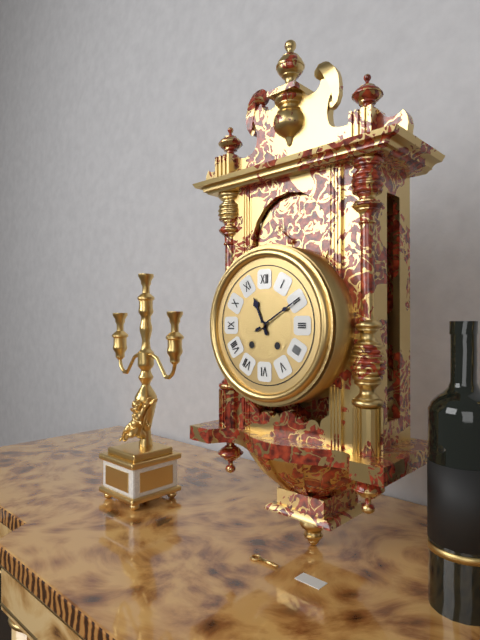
11 h 10 min
